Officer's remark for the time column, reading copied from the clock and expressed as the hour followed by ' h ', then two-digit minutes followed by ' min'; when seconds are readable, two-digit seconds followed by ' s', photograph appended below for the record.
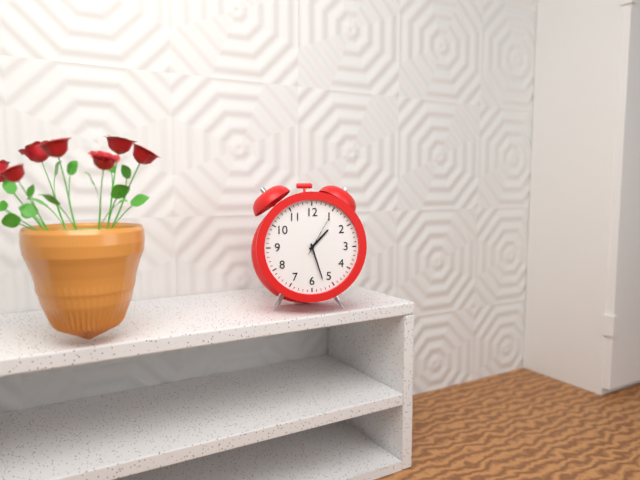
1 h 27 min
